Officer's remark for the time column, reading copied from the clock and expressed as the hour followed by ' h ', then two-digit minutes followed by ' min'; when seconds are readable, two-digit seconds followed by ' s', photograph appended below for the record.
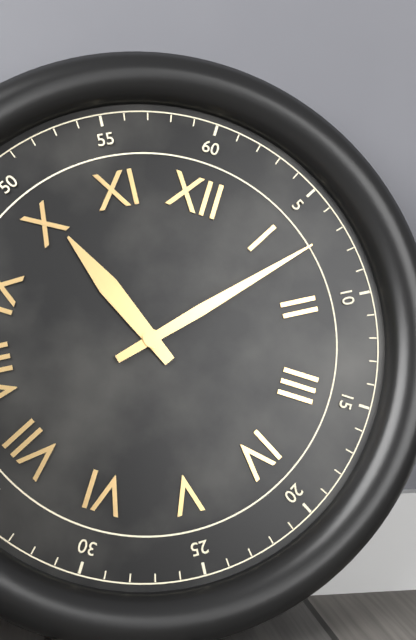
10 h 07 min
